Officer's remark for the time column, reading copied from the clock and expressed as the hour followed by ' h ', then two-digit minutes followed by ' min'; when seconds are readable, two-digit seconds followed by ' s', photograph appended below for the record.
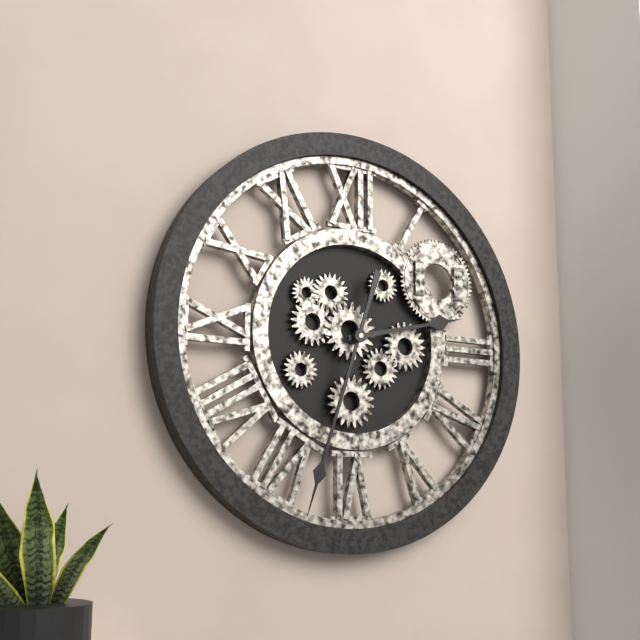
2 h 33 min
